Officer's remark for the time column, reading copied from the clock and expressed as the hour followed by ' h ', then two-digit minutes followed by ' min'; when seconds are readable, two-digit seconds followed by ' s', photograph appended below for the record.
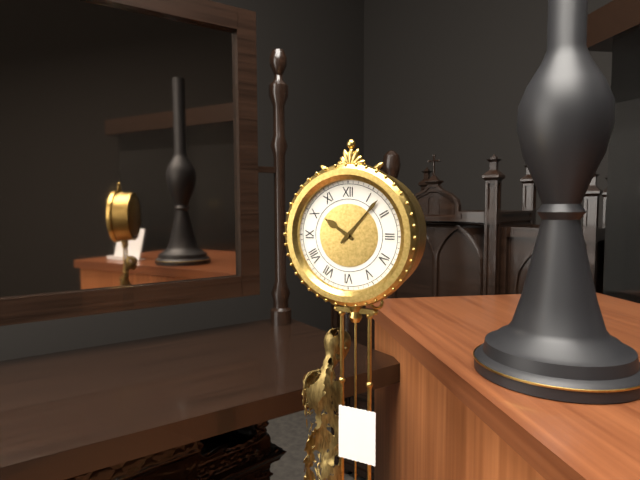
10 h 07 min
